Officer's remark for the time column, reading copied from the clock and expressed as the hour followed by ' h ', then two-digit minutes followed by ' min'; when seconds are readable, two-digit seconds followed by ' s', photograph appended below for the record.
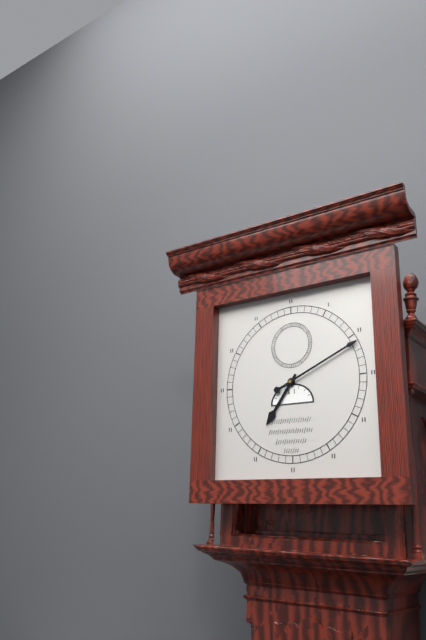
7 h 11 min
